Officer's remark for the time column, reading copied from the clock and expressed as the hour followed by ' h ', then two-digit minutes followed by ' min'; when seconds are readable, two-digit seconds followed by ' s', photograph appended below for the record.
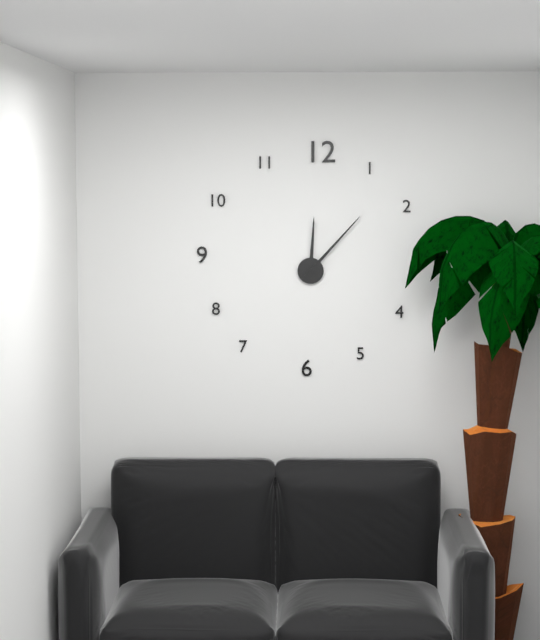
12 h 07 min
